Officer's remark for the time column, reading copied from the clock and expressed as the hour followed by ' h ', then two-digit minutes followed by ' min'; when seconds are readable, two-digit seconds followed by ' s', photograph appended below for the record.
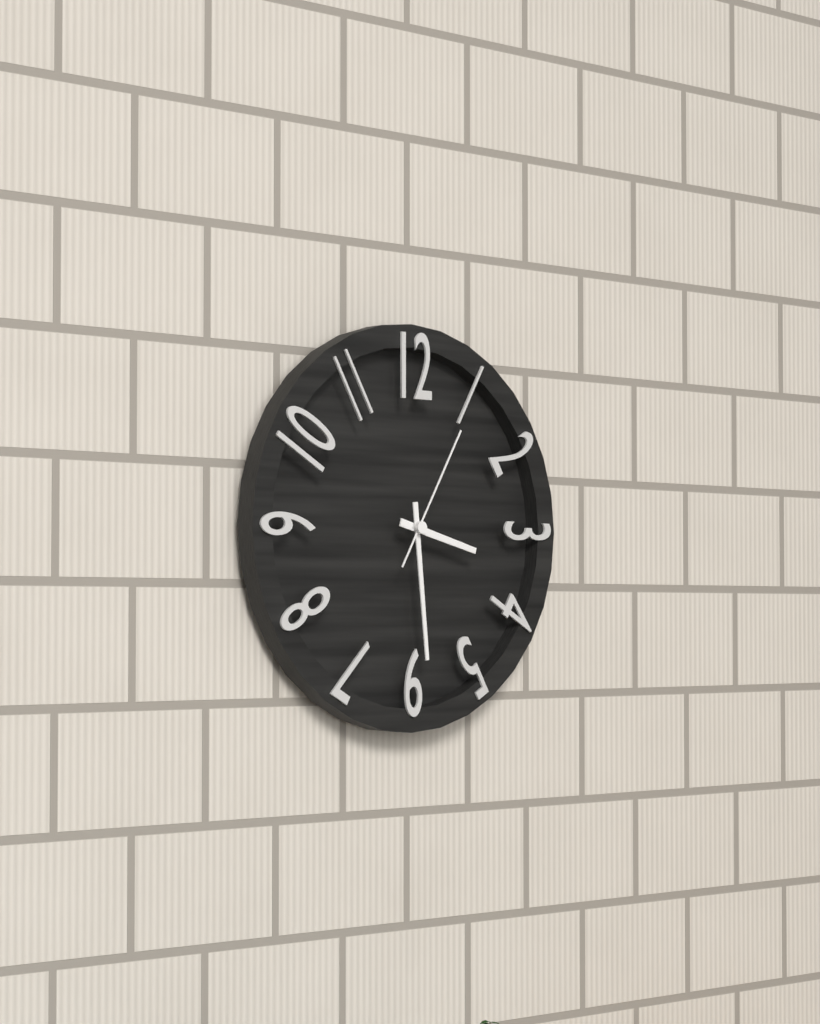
3 h 29 min 05 s
